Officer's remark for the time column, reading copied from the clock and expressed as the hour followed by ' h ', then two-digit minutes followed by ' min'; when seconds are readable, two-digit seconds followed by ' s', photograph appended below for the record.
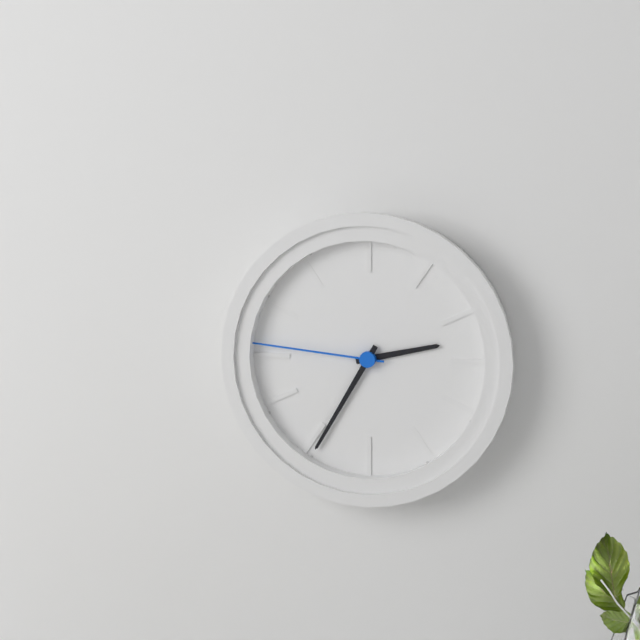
2 h 35 min 46 s
